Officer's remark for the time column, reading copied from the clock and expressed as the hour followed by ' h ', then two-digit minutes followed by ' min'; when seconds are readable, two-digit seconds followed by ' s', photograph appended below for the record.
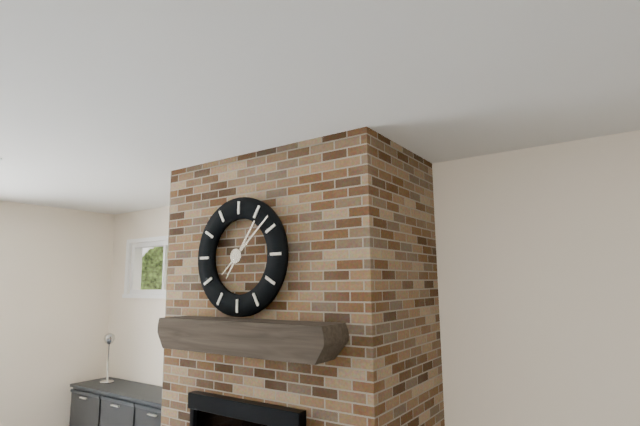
1 h 08 min
